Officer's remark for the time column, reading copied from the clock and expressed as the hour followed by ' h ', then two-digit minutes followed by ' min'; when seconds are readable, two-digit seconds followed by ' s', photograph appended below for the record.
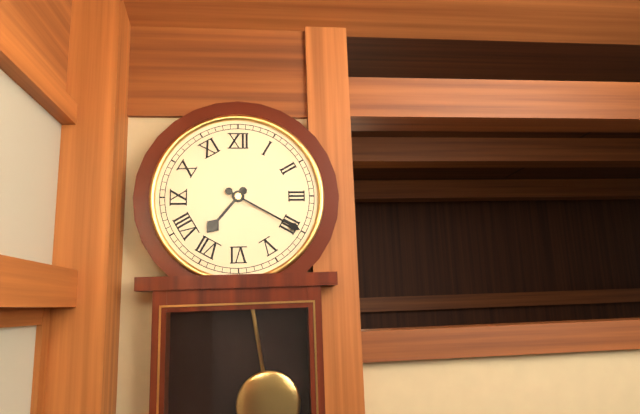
7 h 20 min
